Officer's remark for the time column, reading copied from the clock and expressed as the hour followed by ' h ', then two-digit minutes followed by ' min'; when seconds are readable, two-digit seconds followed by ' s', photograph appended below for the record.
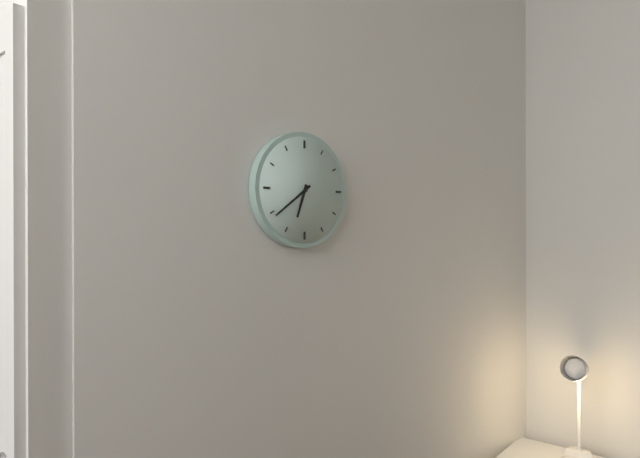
6 h 39 min
